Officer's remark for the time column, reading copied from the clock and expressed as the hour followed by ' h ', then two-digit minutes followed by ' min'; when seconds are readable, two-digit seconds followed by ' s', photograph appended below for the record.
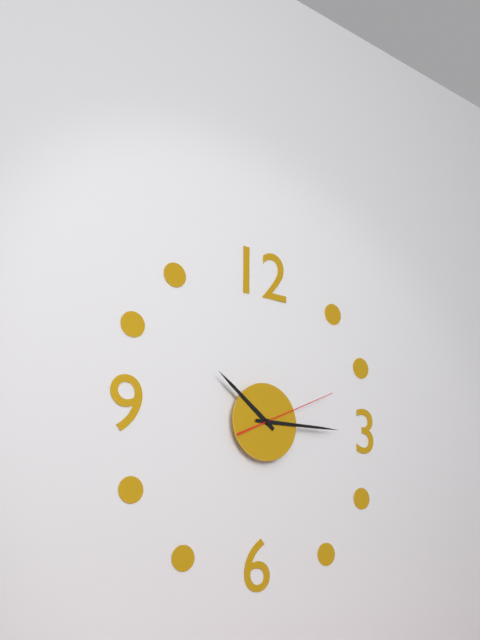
10 h 15 min 11 s
